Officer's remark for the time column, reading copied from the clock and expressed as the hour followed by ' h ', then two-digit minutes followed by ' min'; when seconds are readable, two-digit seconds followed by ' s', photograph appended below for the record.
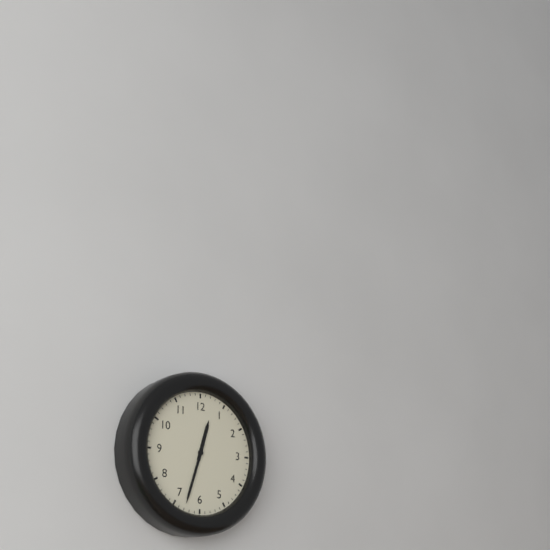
12 h 33 min
